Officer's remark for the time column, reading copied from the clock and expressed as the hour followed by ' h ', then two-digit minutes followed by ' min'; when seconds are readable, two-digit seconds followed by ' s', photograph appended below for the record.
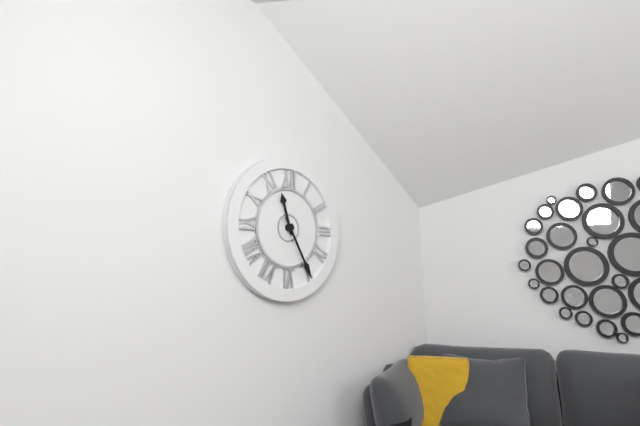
11 h 25 min
